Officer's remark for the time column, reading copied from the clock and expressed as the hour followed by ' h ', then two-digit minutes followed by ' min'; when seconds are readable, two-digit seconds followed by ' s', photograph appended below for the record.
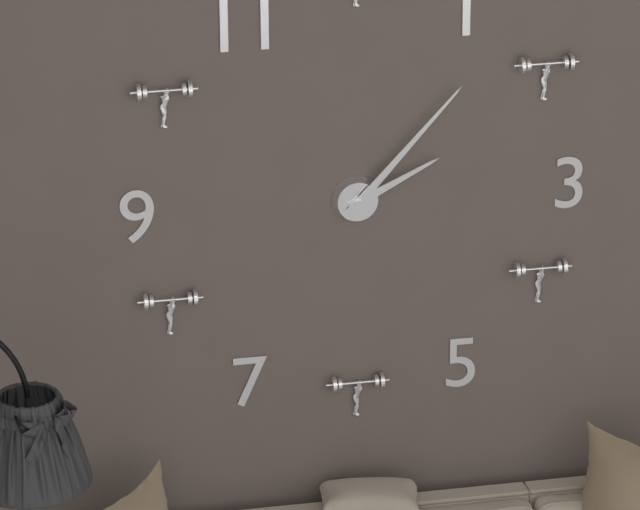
2 h 07 min
